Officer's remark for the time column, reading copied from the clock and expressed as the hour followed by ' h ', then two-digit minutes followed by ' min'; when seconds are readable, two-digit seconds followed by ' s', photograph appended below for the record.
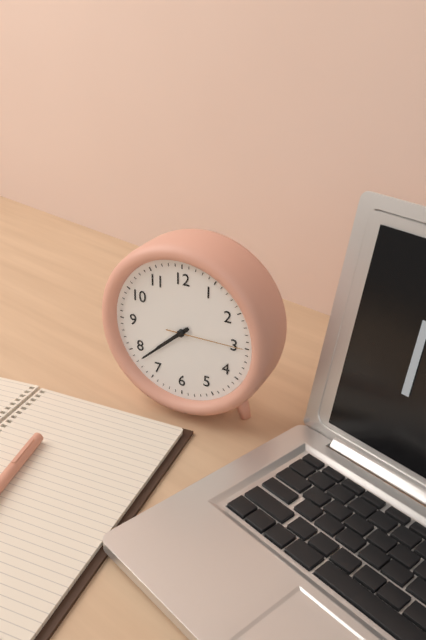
7 h 38 min 15 s
